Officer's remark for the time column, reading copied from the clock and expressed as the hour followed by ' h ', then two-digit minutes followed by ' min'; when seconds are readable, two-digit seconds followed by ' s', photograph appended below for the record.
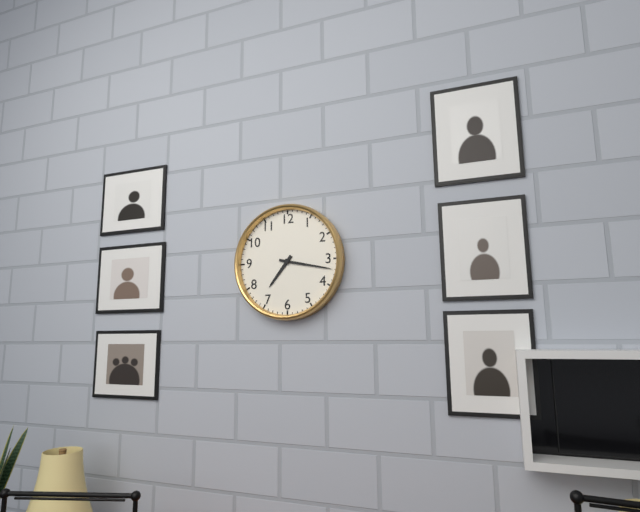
7 h 17 min
